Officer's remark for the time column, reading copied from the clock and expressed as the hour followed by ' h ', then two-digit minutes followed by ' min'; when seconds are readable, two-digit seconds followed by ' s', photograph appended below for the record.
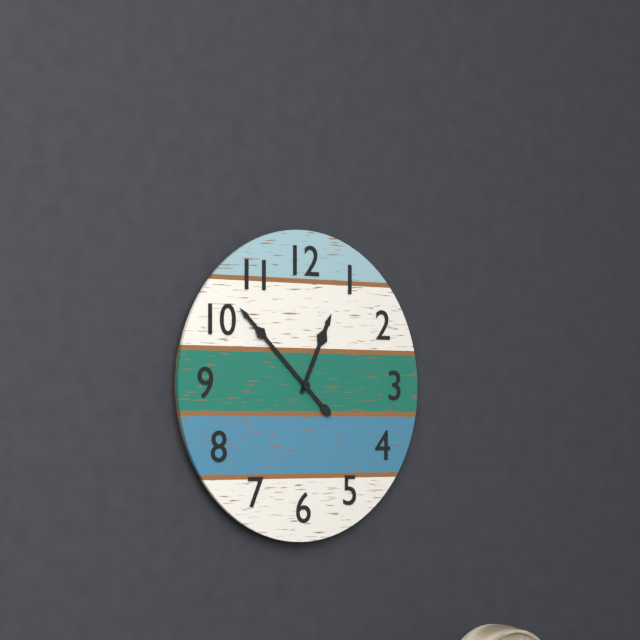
12 h 52 min
